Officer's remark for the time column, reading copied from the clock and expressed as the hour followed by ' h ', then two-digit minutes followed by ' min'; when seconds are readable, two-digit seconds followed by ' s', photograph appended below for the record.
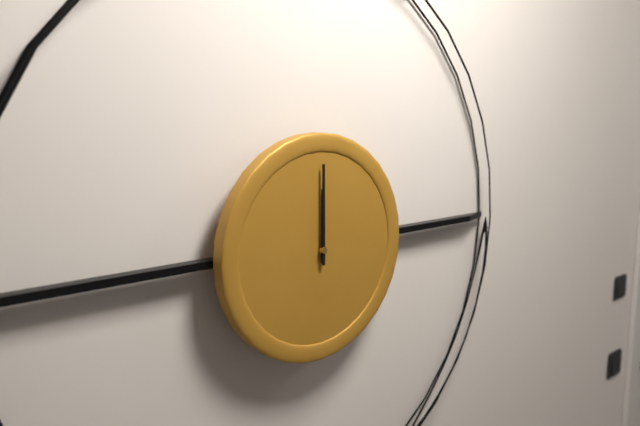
12 h 00 min
